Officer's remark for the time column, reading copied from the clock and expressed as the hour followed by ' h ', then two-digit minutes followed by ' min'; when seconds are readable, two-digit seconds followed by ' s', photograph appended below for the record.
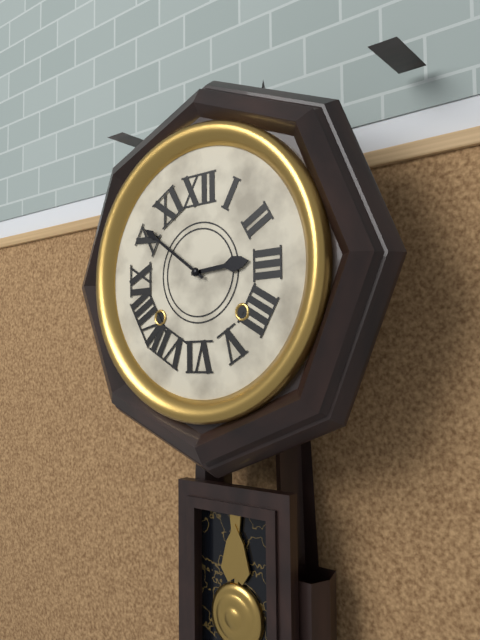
2 h 51 min
